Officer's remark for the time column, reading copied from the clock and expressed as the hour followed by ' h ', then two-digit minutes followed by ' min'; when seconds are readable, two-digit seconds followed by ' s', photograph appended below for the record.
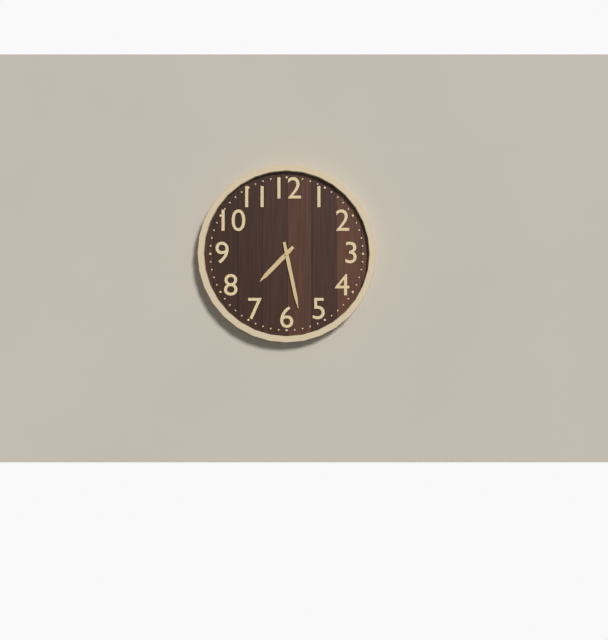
7 h 28 min
